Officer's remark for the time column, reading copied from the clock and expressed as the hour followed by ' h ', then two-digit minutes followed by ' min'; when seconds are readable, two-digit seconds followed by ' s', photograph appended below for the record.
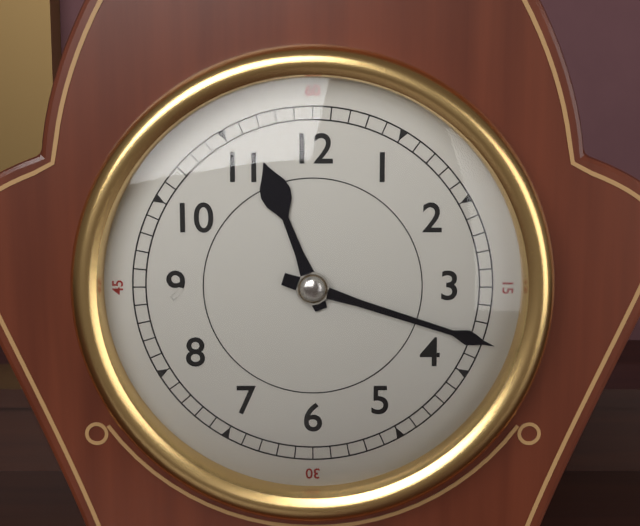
11 h 18 min
